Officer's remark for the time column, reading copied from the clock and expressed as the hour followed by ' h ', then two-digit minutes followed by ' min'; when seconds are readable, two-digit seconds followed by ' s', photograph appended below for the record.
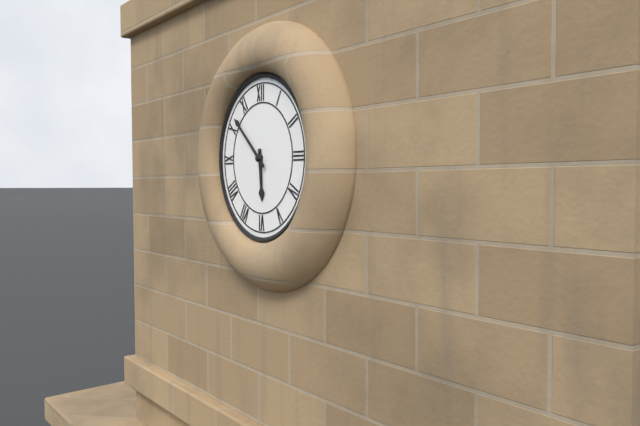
5 h 52 min
